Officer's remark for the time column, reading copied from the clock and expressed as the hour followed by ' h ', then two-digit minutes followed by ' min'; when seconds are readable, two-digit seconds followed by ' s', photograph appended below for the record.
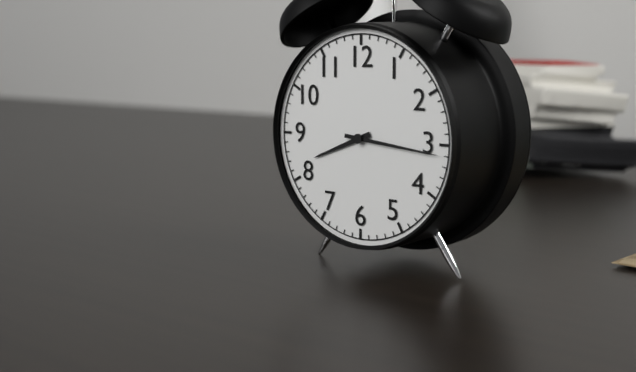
8 h 16 min
